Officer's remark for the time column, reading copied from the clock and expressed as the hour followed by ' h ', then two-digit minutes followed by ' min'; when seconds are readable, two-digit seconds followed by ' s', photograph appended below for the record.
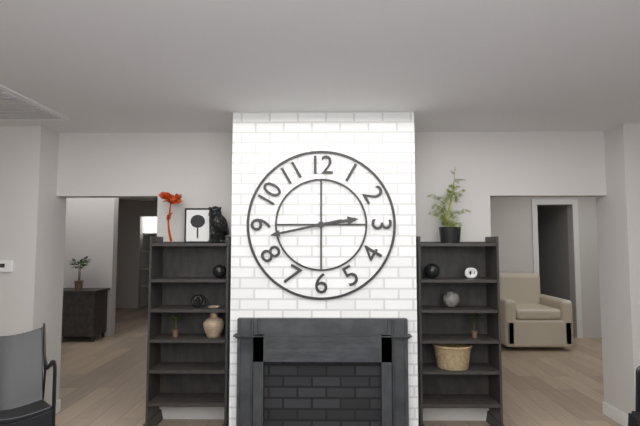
2 h 43 min
